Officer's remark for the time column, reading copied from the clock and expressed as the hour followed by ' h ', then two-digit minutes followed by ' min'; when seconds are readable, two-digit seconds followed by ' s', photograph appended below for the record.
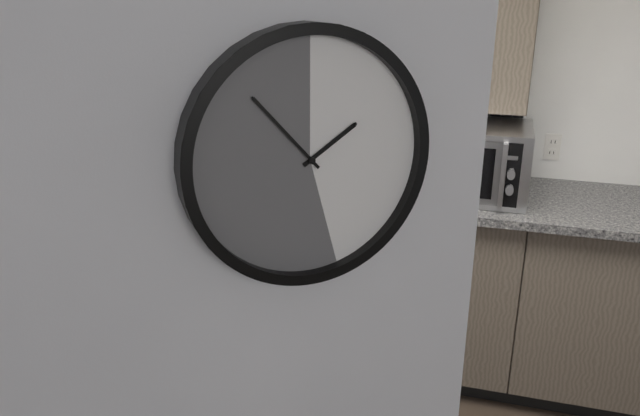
1 h 53 min
